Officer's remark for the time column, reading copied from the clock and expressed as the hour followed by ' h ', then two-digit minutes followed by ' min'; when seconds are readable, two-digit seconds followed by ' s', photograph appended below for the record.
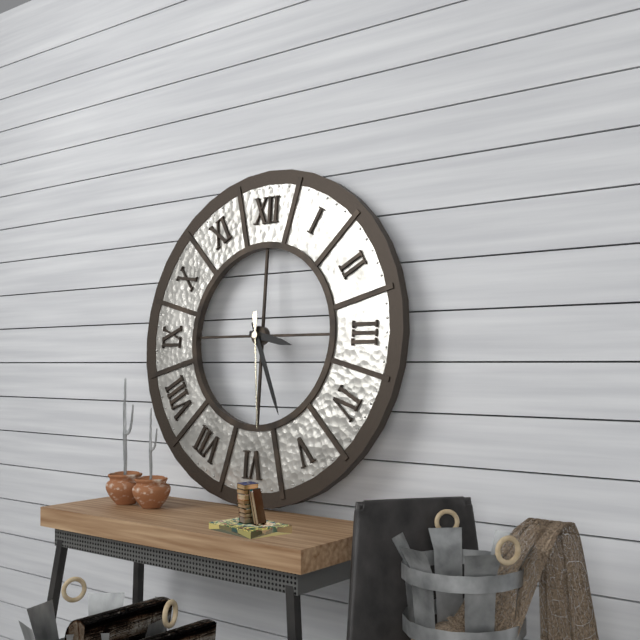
3 h 26 min 29 s
